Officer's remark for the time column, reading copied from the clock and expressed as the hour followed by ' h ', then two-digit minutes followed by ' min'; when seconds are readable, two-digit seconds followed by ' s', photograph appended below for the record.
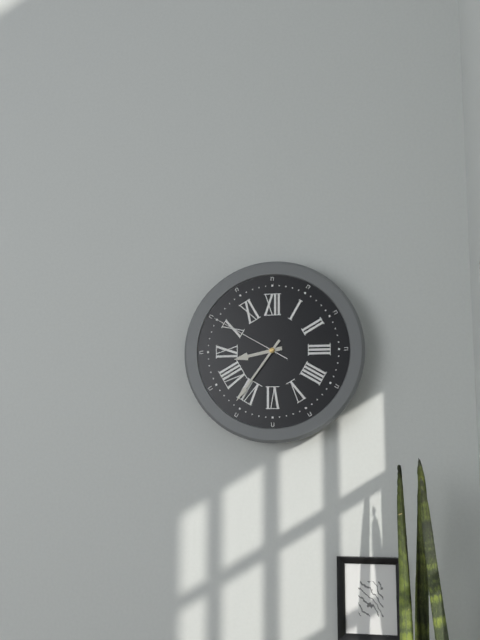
8 h 36 min 50 s
